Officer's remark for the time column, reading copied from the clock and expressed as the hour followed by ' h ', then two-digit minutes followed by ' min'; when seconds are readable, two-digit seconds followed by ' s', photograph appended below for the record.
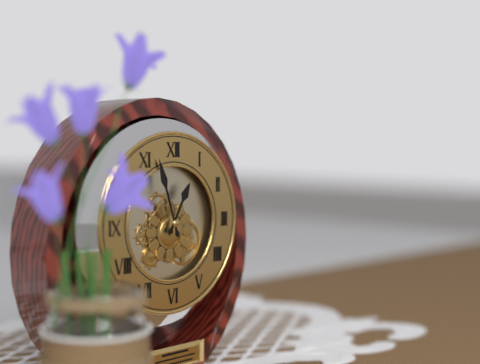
12 h 57 min
